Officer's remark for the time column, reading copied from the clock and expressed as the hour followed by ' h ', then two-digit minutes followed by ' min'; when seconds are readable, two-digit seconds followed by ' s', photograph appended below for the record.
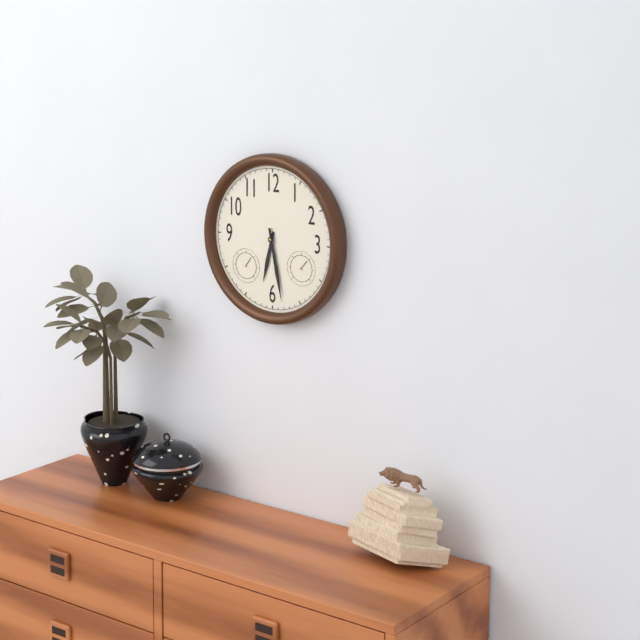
6 h 28 min
